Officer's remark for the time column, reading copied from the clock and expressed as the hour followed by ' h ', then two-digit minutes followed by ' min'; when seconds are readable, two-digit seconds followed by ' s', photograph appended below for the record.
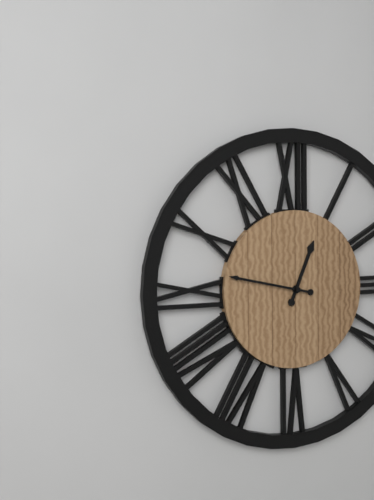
12 h 47 min
